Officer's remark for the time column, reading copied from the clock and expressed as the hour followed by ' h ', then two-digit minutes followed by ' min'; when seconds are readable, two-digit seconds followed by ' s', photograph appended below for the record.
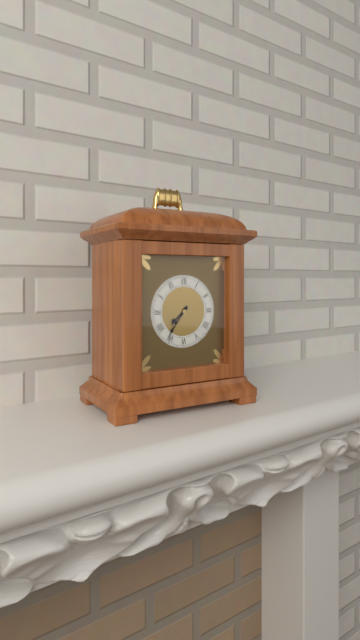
7 h 36 min
